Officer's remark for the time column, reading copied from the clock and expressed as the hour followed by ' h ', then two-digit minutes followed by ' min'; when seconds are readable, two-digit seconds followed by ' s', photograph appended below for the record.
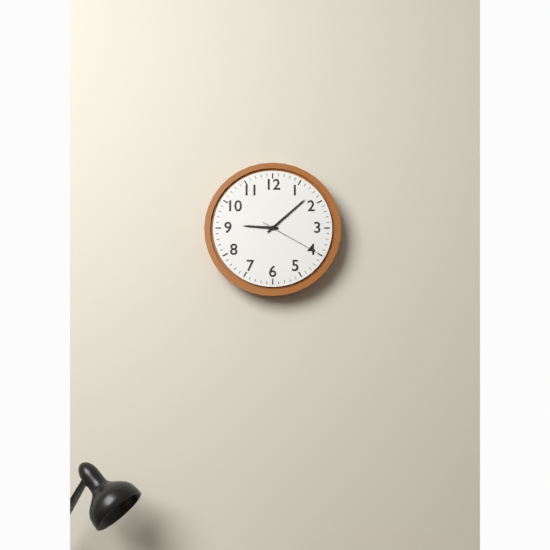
9 h 08 min 20 s
